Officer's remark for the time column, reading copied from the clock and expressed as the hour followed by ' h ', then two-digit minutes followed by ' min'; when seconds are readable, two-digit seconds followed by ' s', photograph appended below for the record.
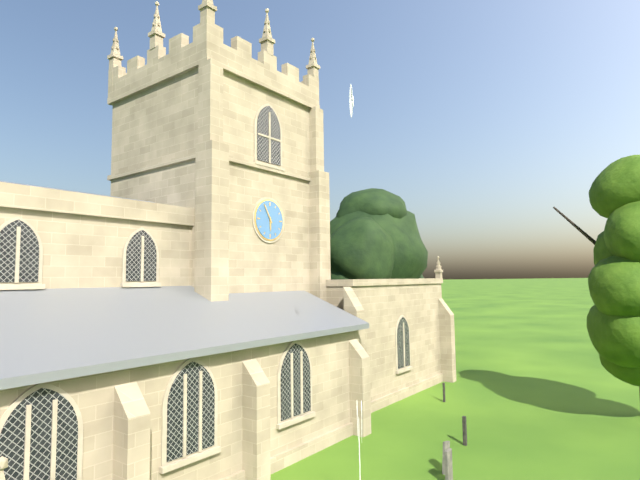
5 h 55 min
